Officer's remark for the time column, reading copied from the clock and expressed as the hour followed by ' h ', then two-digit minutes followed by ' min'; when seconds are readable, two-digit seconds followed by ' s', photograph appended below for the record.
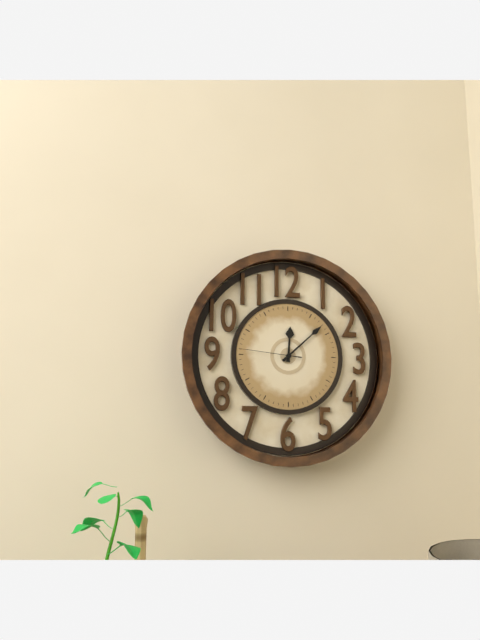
12 h 08 min 46 s
